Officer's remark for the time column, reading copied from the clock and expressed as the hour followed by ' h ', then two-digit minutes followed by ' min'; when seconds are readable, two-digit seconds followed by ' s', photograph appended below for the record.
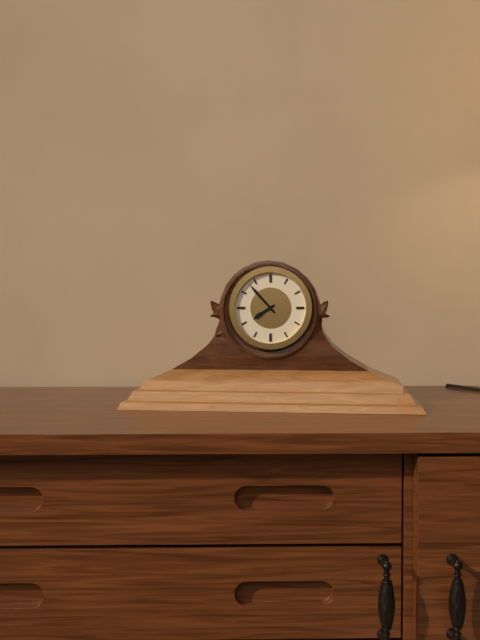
7 h 53 min
